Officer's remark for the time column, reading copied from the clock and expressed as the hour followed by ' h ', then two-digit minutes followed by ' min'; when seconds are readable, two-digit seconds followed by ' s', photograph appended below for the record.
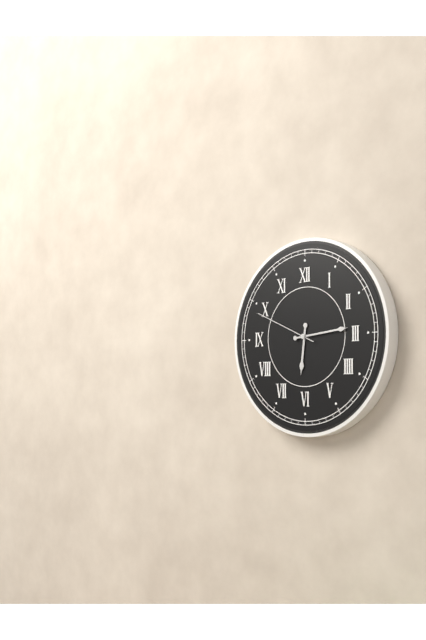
6 h 14 min 49 s
